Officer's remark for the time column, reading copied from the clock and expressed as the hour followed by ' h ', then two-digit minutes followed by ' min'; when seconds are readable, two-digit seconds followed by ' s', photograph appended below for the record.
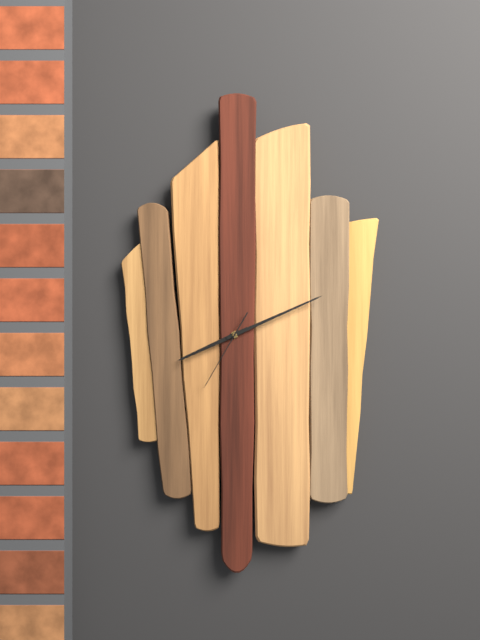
8 h 11 min 35 s
